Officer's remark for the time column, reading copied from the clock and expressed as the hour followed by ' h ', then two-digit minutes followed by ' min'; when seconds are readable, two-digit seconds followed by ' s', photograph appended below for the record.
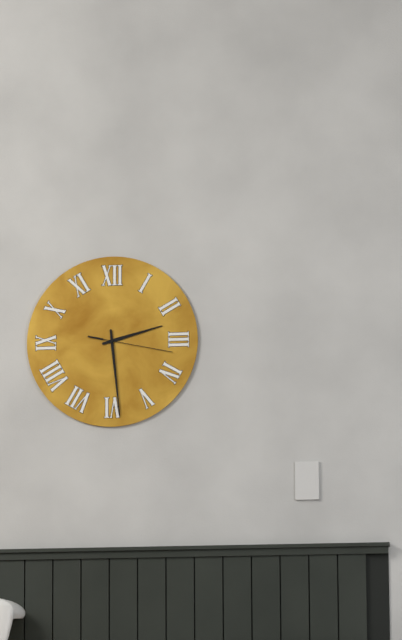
2 h 29 min 17 s
